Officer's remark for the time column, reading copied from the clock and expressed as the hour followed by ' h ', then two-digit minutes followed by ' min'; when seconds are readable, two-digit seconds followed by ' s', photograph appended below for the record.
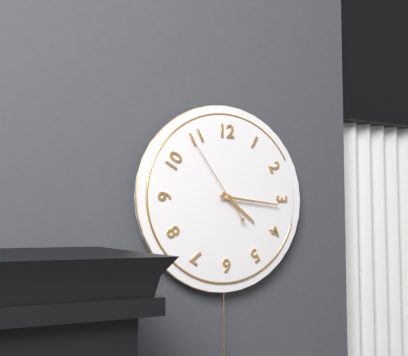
4 h 16 min 54 s
